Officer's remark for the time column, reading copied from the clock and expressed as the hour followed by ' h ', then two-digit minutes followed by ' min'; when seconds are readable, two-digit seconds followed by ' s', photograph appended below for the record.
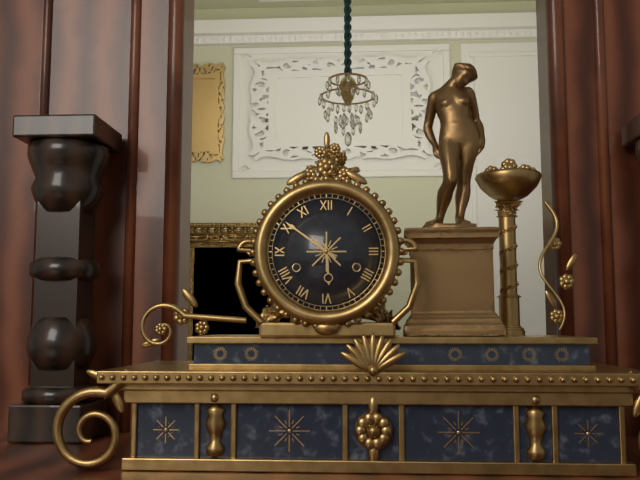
5 h 51 min
